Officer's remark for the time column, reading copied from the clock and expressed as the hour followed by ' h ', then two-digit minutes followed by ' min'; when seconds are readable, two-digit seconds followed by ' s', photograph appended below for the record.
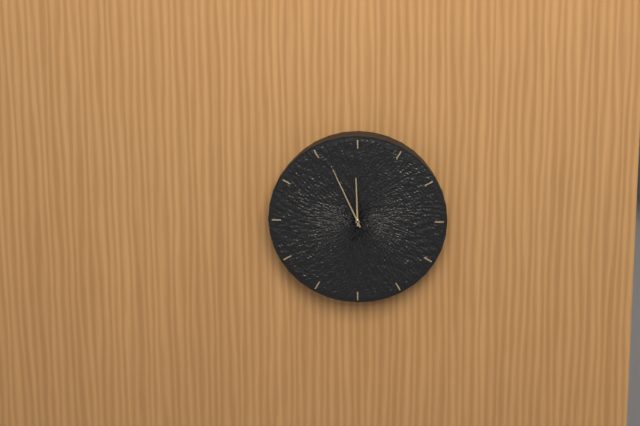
11 h 56 min
